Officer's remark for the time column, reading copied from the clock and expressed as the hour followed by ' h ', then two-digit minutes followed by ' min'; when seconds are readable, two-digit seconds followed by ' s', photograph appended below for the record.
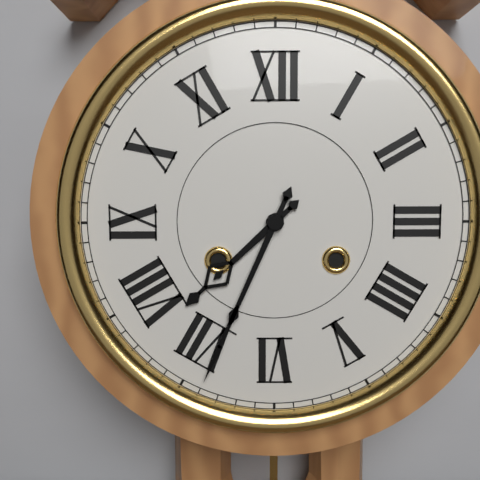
7 h 34 min
